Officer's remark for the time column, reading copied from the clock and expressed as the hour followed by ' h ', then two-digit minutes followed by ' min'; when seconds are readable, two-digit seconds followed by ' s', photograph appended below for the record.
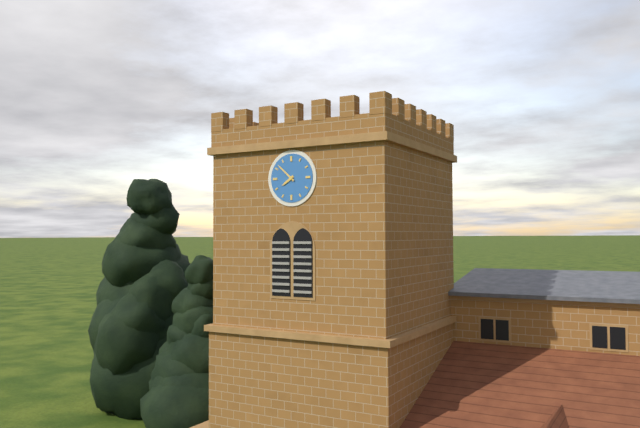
7 h 52 min
